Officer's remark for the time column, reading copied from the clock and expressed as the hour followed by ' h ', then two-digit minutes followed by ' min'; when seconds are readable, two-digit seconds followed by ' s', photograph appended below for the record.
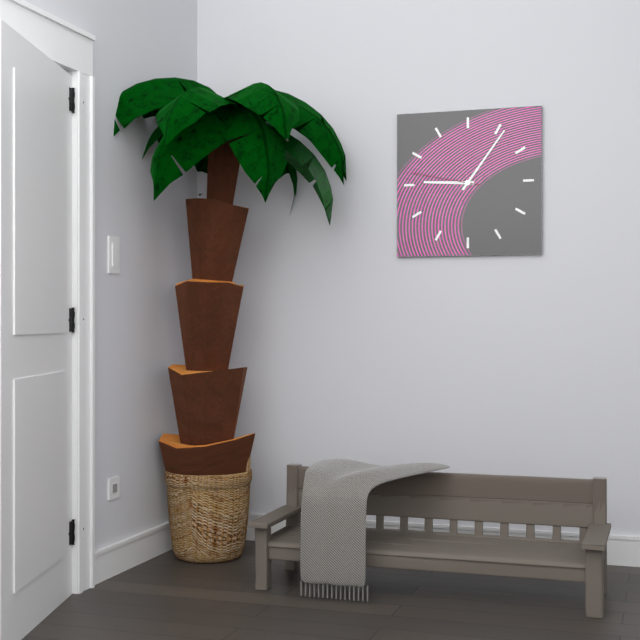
9 h 06 min 47 s
